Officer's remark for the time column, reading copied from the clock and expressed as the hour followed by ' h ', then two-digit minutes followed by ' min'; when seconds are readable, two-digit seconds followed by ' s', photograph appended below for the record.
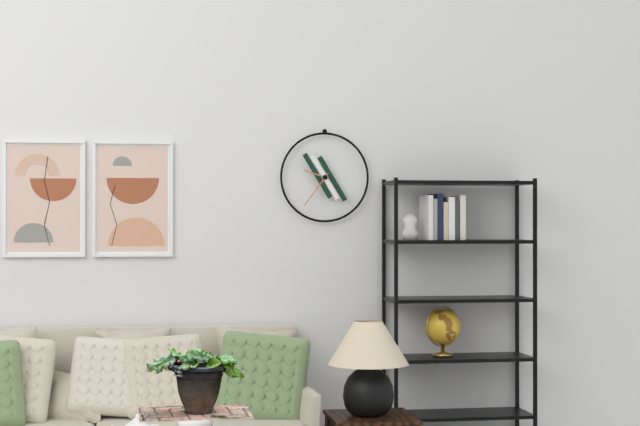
9 h 36 min
